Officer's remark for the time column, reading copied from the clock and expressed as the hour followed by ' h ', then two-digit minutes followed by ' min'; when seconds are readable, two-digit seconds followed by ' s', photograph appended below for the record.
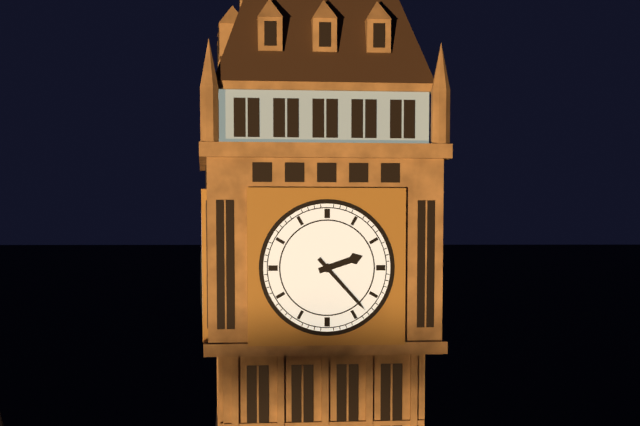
2 h 23 min
